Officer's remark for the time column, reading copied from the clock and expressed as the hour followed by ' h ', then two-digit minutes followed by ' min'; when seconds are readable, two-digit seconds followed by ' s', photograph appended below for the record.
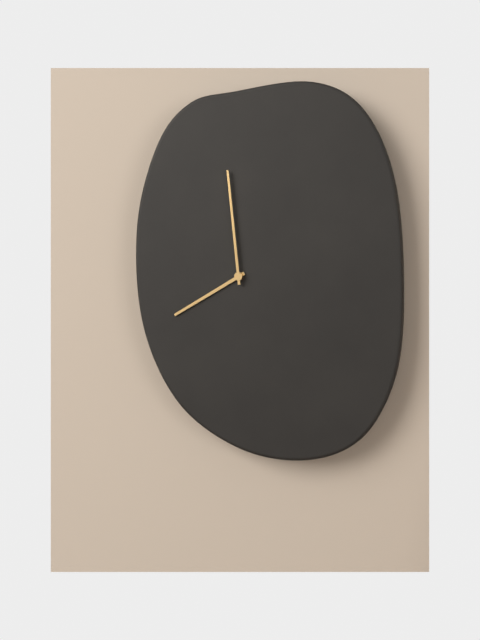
7 h 59 min
